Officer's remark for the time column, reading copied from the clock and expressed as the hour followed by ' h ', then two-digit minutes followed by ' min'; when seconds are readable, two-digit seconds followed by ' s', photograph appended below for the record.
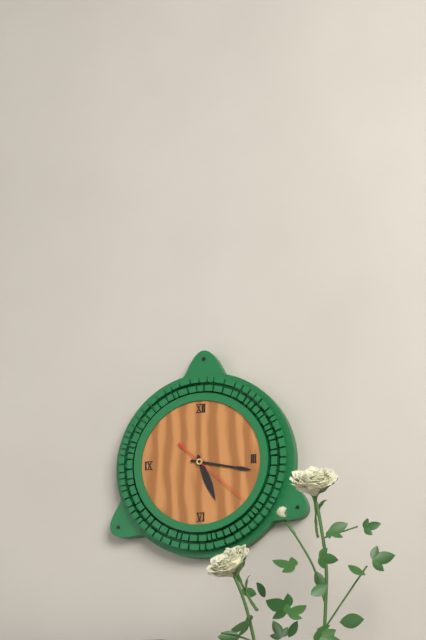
5 h 17 min 22 s
